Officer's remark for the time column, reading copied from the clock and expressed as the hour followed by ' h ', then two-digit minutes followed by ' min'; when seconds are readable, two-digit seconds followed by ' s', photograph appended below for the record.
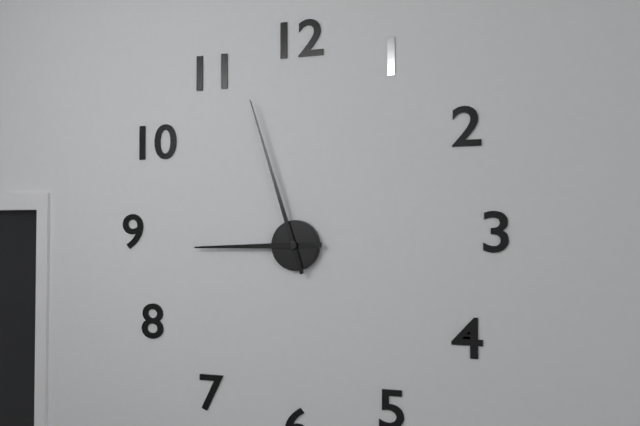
8 h 57 min
